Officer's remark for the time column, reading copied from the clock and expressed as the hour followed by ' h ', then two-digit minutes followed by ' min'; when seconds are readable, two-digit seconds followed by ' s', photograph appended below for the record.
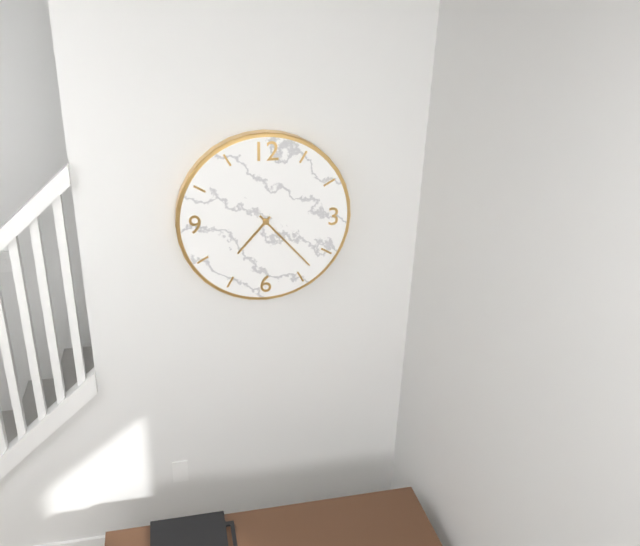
7 h 23 min
